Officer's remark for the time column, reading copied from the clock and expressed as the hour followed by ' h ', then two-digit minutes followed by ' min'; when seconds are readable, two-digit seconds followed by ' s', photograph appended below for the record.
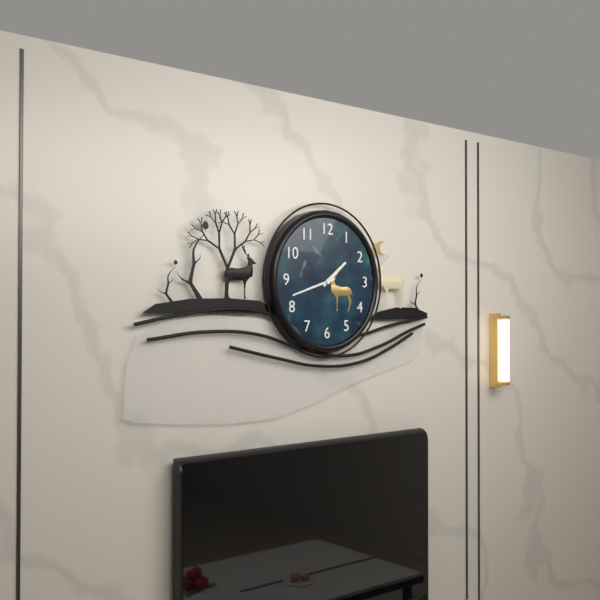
1 h 42 min
